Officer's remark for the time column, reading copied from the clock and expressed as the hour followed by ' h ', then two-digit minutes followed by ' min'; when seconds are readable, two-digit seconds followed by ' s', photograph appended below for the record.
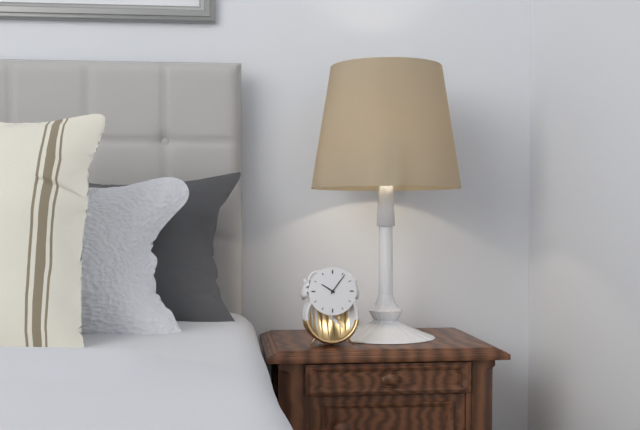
10 h 06 min
